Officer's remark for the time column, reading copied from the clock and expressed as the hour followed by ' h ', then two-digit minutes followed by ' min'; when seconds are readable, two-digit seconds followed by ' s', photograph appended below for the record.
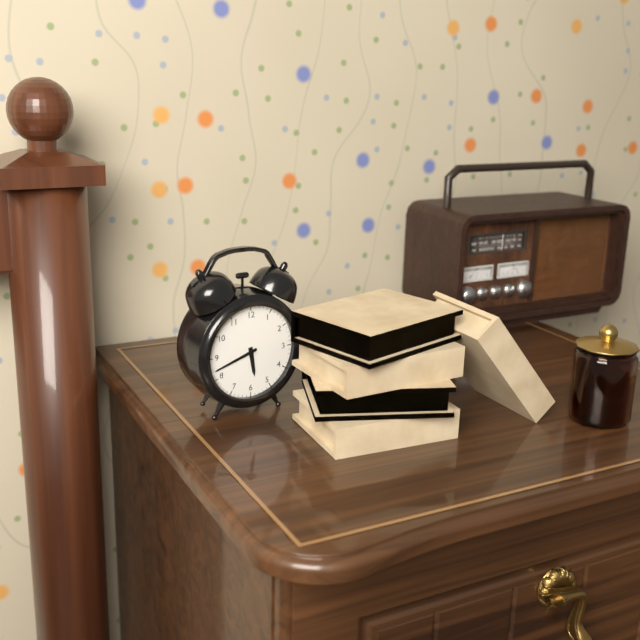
5 h 42 min
